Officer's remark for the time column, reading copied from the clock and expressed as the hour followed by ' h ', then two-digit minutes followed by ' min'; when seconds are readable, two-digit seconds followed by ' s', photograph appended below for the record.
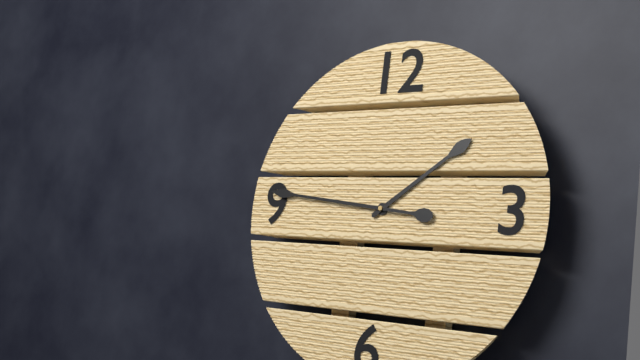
1 h 46 min
